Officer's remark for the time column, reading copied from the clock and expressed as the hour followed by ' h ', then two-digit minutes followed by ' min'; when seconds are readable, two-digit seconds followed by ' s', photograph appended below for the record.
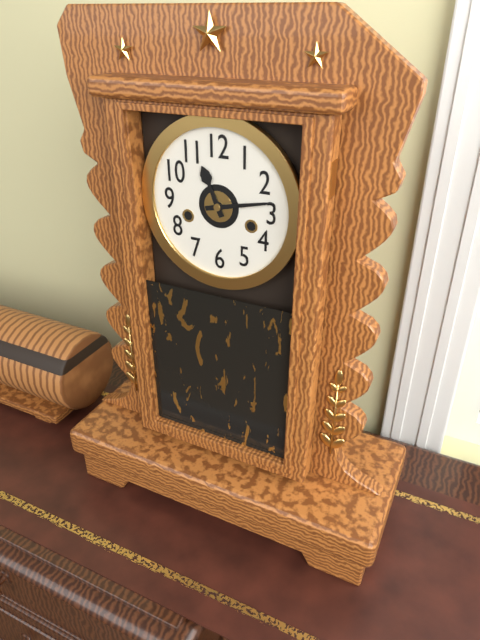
11 h 13 min
